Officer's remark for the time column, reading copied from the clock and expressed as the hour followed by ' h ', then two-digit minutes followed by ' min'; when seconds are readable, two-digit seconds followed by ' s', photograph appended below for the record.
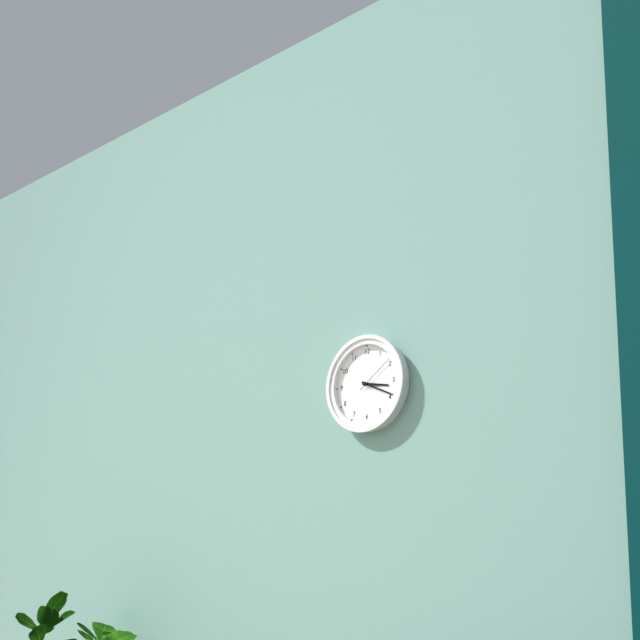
3 h 19 min
